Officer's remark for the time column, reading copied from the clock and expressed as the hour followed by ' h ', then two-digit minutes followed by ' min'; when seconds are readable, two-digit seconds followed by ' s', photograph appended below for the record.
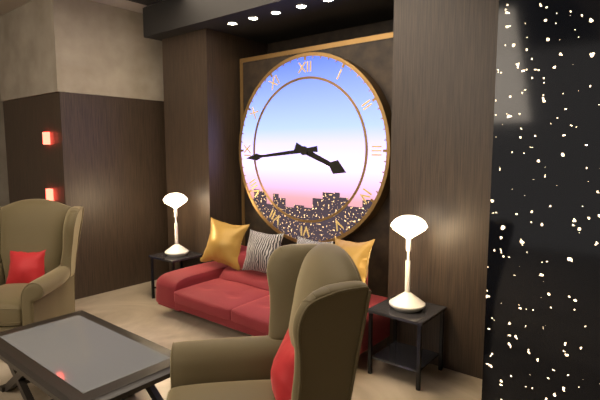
3 h 44 min
